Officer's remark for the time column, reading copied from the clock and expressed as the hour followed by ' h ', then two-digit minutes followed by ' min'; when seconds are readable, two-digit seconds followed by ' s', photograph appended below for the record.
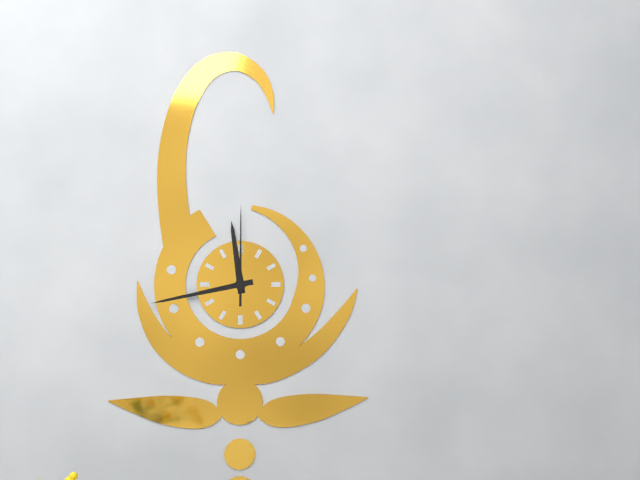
11 h 43 min 00 s
